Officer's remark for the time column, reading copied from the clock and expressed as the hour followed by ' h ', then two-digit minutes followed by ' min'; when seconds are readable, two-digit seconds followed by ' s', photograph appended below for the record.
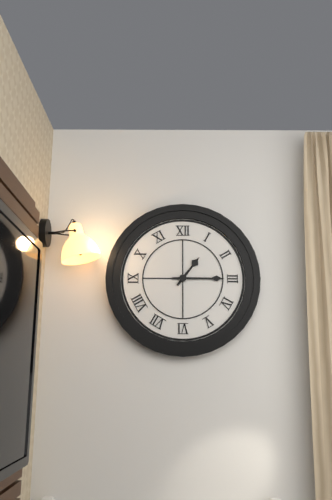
1 h 15 min
